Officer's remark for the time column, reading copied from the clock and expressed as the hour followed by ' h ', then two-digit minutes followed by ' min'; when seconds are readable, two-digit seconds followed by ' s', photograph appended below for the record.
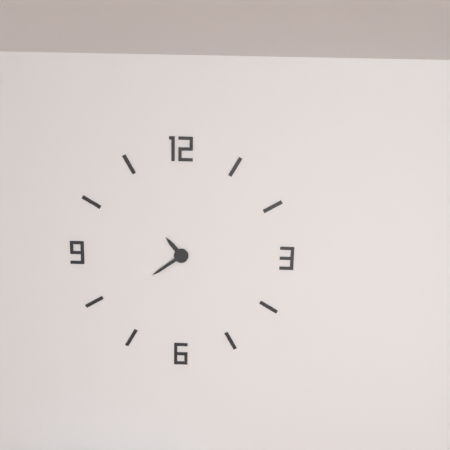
10 h 39 min
